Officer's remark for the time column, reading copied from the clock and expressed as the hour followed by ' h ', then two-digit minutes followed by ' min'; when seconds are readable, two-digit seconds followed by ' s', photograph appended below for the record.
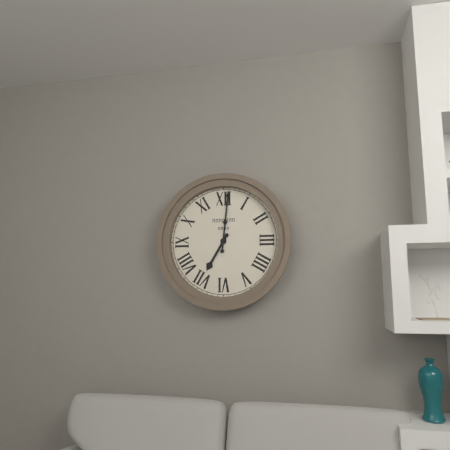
7 h 01 min
